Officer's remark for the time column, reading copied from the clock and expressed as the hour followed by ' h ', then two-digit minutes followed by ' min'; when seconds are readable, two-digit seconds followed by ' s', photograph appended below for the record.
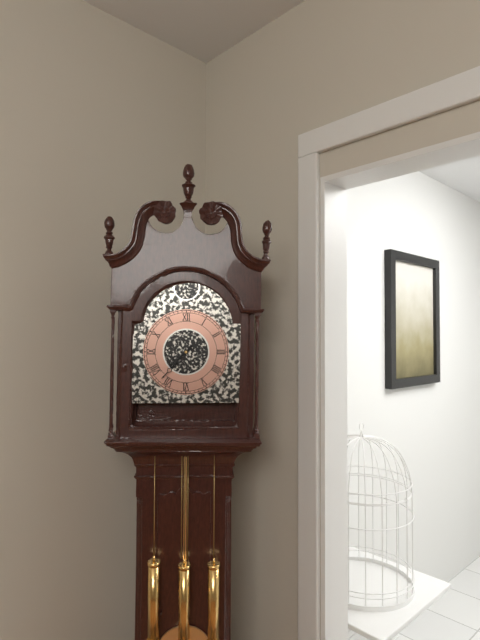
7 h 37 min
